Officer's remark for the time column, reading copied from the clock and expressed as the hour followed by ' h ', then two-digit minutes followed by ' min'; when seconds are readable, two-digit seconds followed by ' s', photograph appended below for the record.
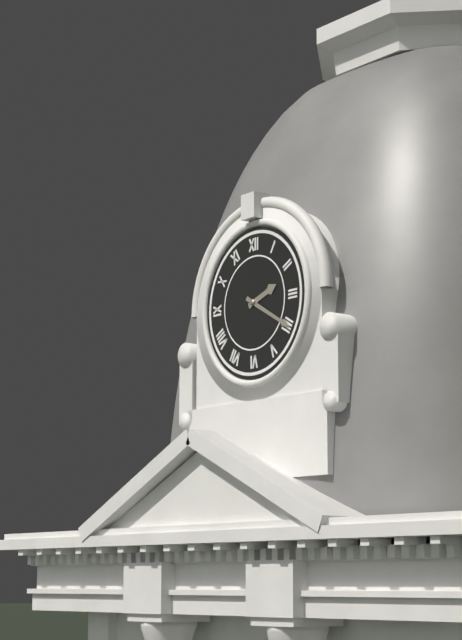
2 h 20 min
